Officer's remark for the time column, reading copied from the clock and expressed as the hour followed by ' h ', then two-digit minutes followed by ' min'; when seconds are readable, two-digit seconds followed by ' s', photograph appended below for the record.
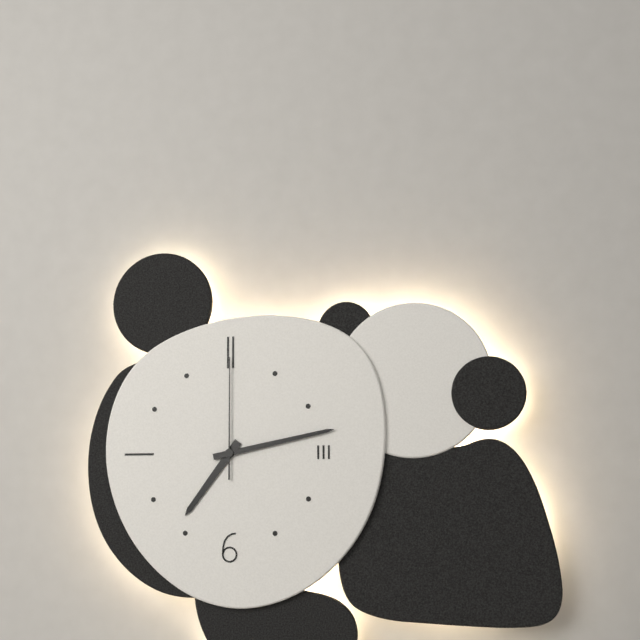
7 h 13 min 00 s
